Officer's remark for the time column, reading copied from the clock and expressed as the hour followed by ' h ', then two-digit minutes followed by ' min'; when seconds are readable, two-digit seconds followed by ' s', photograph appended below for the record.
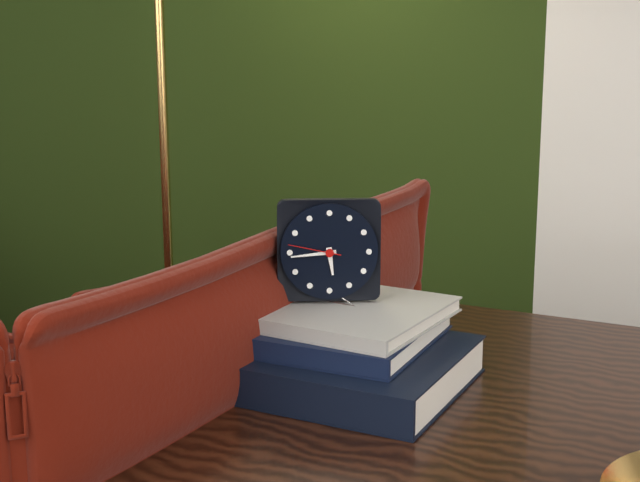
5 h 44 min 47 s
